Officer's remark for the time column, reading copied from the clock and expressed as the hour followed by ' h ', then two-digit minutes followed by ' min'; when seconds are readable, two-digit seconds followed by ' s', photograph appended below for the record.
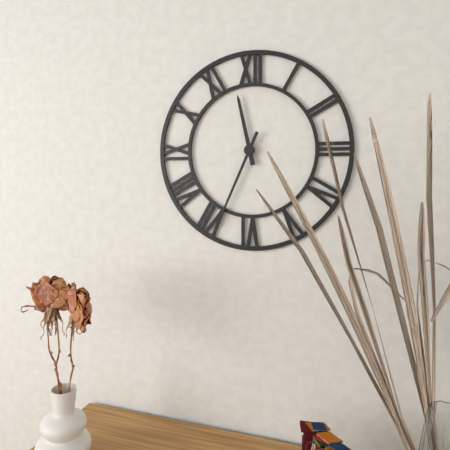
11 h 34 min
